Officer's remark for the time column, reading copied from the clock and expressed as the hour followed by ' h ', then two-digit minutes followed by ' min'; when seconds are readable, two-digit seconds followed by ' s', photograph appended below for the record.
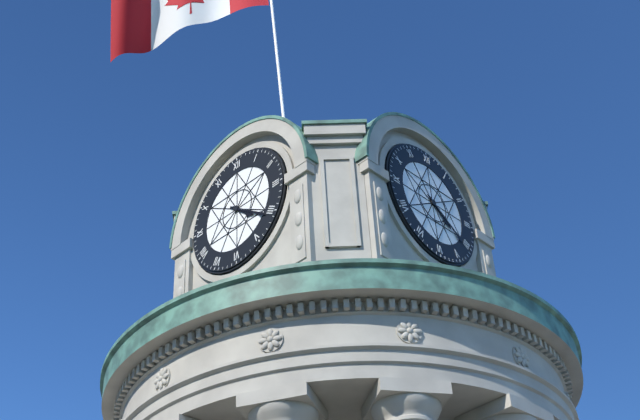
4 h 21 min
